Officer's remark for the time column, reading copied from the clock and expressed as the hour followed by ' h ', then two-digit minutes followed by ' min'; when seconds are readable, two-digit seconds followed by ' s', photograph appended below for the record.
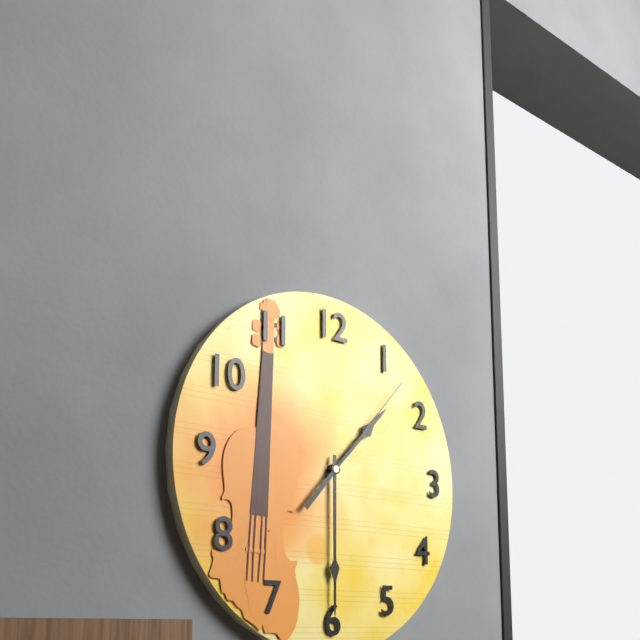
1 h 30 min 07 s
